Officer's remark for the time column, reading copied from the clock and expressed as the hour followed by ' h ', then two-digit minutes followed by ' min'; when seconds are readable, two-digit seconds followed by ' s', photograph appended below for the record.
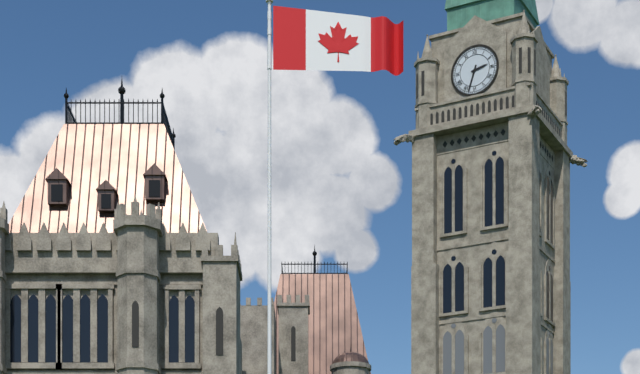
2 h 33 min
